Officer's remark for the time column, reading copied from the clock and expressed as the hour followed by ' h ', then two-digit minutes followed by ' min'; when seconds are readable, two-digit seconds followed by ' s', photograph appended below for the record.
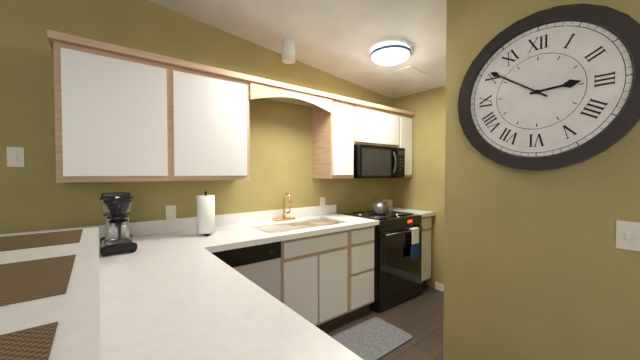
2 h 51 min
